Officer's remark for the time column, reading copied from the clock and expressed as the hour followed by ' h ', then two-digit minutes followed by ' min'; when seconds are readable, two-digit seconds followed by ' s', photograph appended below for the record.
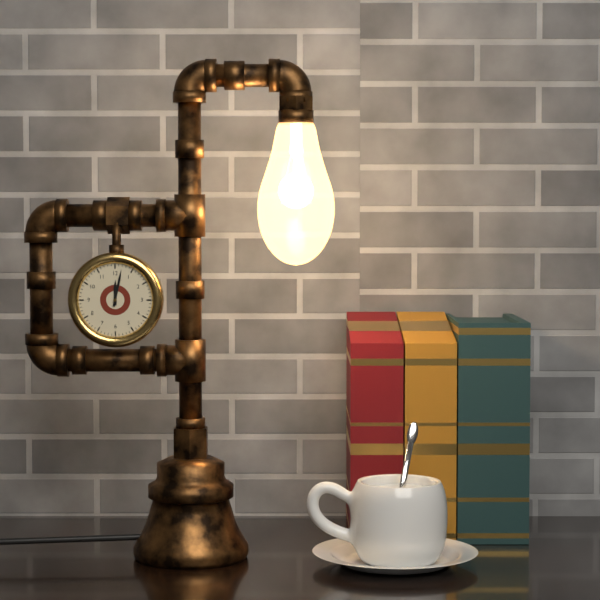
12 h 02 min
